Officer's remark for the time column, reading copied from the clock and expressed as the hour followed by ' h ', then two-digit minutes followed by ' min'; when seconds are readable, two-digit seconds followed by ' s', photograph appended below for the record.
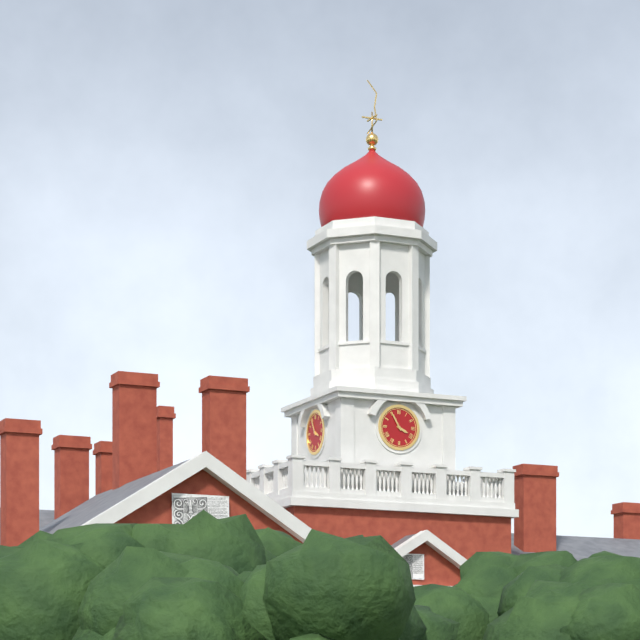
3 h 55 min
